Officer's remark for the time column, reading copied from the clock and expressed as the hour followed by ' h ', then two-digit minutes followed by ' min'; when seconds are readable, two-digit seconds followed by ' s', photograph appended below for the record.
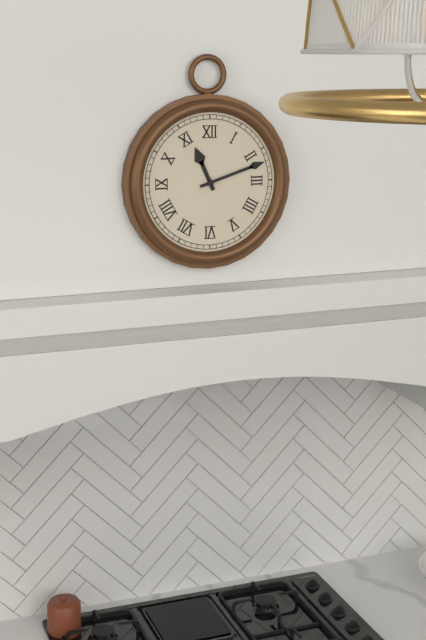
11 h 12 min
